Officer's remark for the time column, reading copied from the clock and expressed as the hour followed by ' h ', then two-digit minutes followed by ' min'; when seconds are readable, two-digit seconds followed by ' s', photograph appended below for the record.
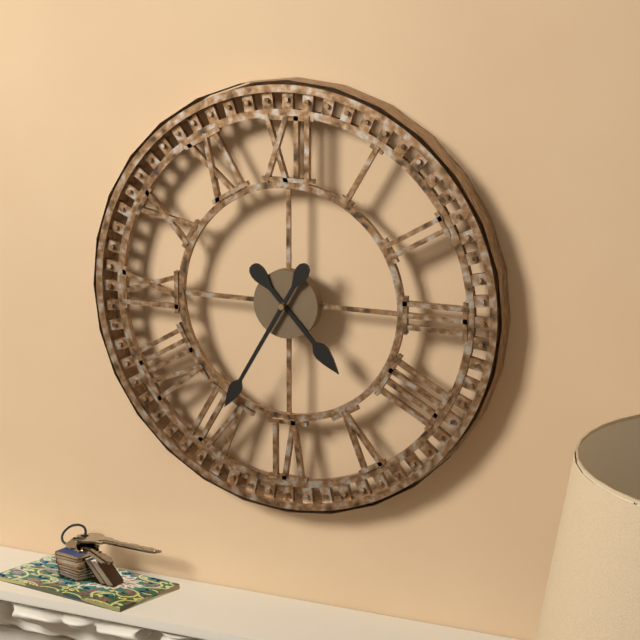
4 h 35 min
